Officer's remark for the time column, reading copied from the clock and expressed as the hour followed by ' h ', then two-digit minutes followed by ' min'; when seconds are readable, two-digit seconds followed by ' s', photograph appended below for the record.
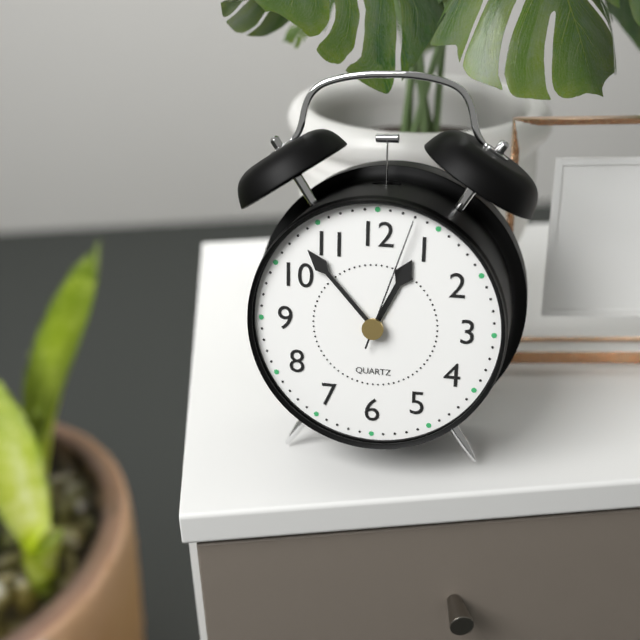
12 h 53 min 03 s
